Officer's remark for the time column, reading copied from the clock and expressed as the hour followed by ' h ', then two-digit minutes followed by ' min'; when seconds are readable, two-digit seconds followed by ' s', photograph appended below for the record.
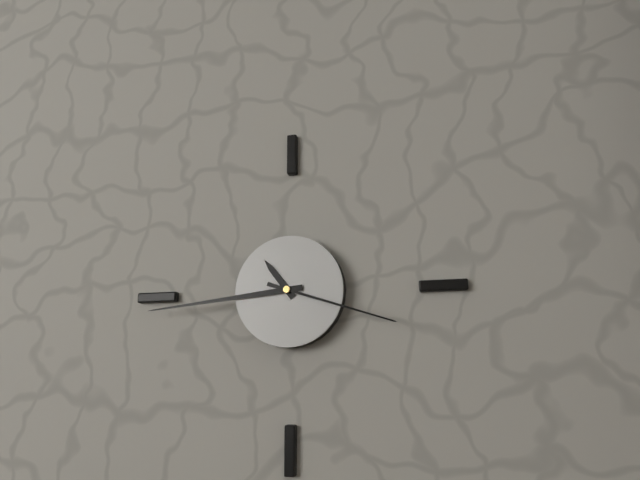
10 h 44 min 18 s
